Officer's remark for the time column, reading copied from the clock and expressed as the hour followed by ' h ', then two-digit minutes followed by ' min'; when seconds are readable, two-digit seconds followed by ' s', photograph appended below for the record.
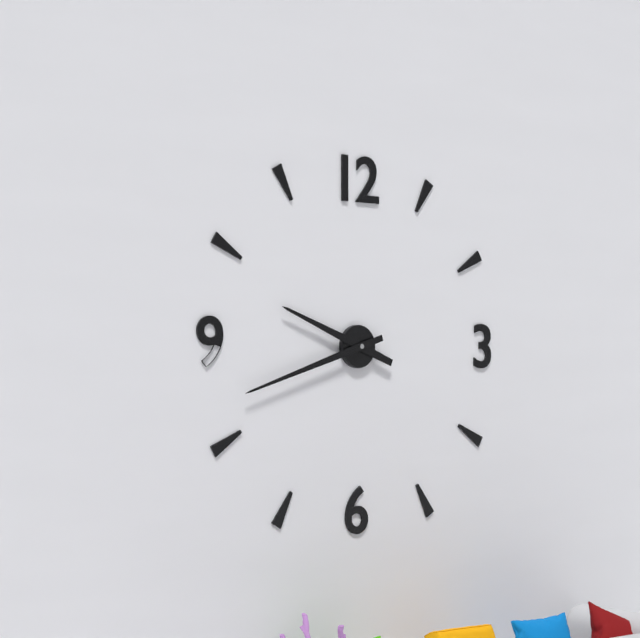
9 h 42 min
